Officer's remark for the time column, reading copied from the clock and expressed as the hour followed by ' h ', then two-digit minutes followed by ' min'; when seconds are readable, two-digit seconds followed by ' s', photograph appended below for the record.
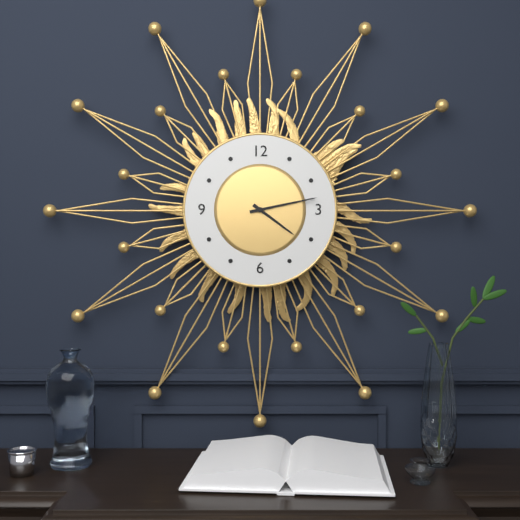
4 h 13 min
